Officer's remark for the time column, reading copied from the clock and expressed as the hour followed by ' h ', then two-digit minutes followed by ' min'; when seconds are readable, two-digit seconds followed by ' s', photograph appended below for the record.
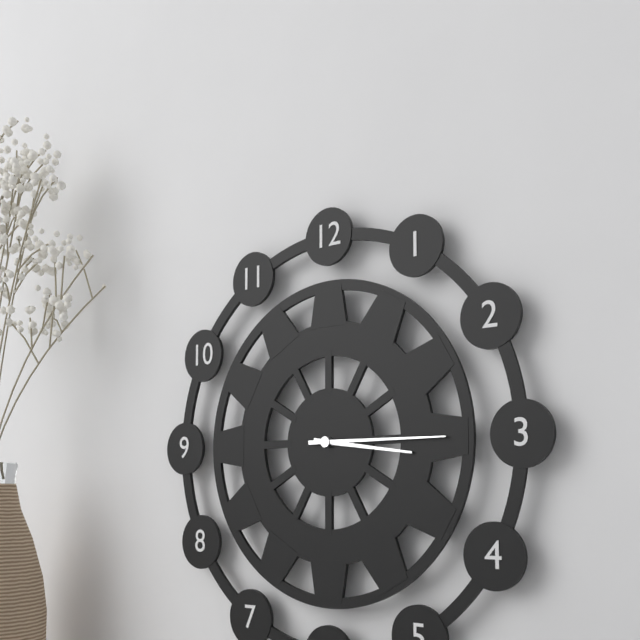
3 h 15 min
